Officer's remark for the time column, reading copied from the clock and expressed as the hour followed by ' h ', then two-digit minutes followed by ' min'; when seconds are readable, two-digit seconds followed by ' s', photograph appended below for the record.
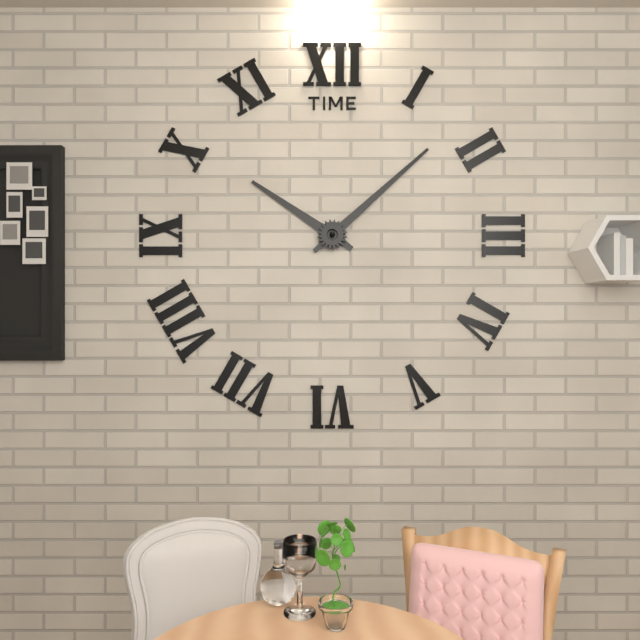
10 h 08 min
